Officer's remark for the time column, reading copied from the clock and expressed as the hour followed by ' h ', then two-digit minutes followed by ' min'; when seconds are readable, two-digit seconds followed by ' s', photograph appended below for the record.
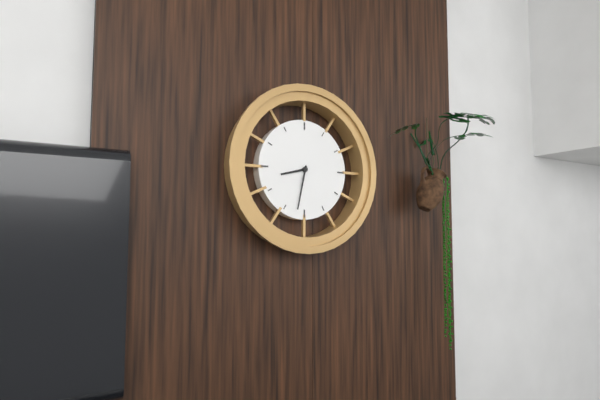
8 h 32 min
